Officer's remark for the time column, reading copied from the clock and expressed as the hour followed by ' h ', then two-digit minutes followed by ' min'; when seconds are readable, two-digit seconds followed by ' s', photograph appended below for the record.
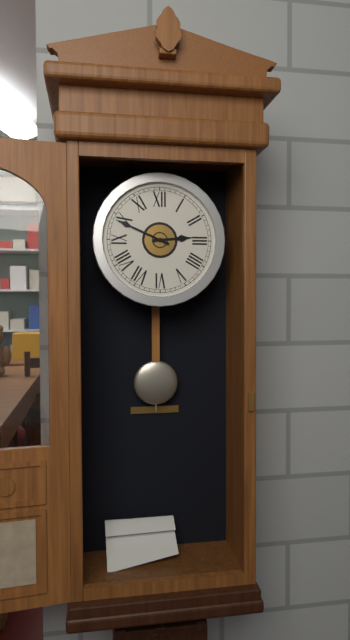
2 h 49 min
